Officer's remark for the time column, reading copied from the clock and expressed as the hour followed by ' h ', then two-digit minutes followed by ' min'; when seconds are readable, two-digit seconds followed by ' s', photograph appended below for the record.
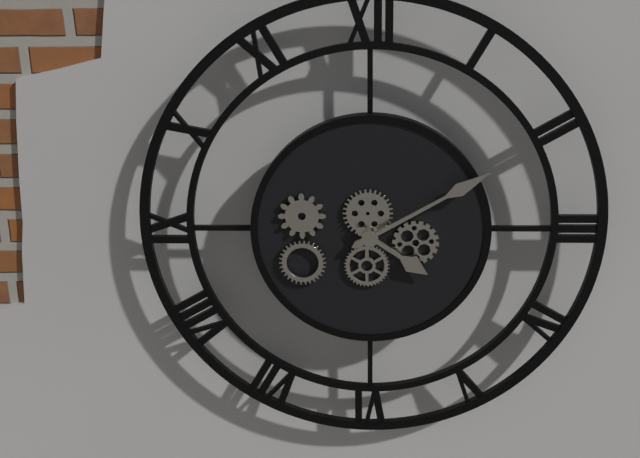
4 h 10 min
